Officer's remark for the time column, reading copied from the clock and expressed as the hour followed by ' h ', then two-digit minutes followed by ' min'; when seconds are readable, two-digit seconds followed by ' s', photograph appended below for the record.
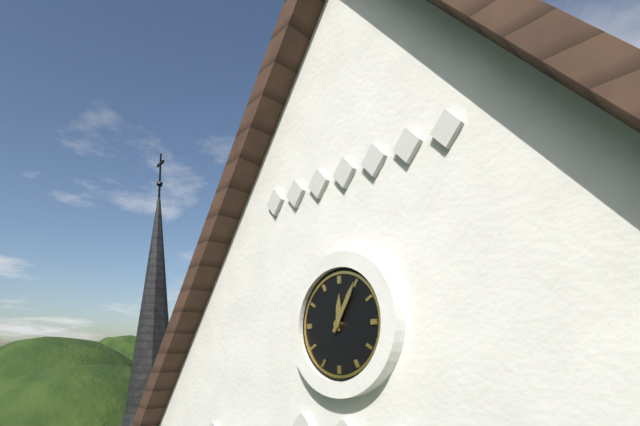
12 h 05 min
